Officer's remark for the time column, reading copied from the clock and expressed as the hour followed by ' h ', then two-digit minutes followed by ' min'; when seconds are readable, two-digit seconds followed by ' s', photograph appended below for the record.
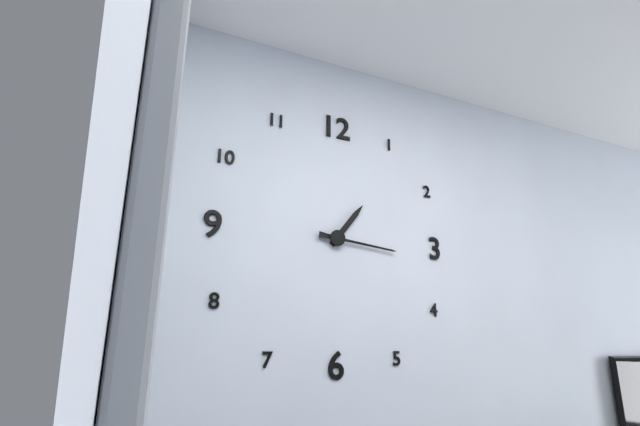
1 h 16 min
